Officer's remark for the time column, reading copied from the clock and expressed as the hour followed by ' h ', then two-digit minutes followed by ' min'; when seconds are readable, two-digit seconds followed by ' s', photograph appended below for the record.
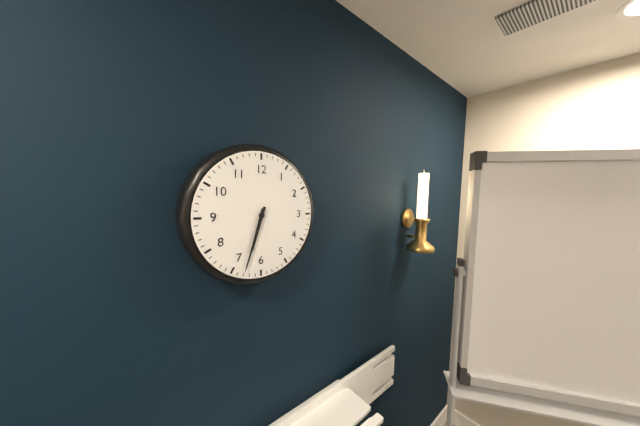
6 h 33 min
